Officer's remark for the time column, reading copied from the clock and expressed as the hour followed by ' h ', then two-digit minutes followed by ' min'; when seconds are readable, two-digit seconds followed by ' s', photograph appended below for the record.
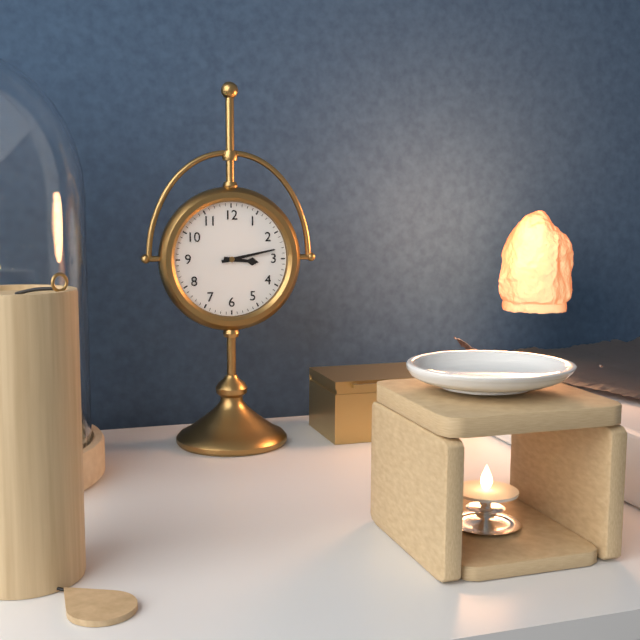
3 h 13 min
